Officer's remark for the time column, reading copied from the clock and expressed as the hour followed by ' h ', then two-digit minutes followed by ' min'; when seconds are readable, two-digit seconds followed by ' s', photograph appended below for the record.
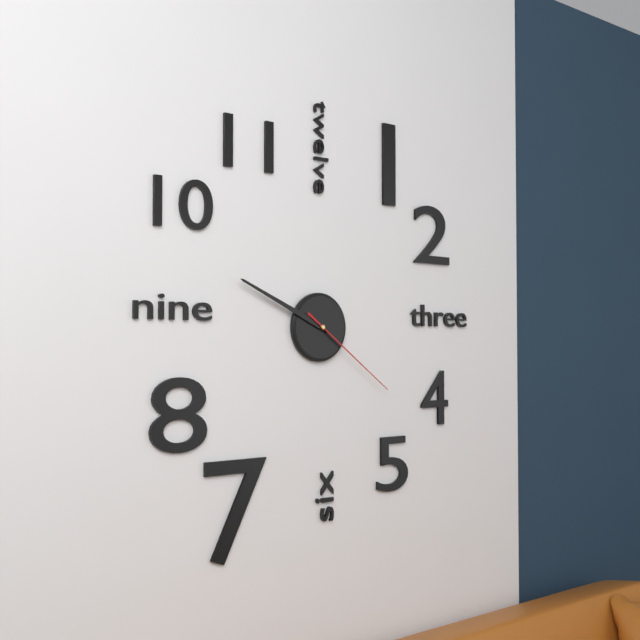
9 h 49 min 21 s
